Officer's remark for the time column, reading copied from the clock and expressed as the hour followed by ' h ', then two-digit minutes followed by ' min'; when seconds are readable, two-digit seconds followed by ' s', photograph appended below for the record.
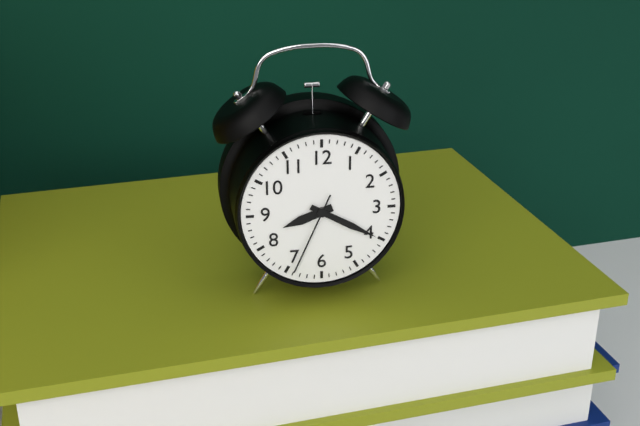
8 h 20 min 34 s
